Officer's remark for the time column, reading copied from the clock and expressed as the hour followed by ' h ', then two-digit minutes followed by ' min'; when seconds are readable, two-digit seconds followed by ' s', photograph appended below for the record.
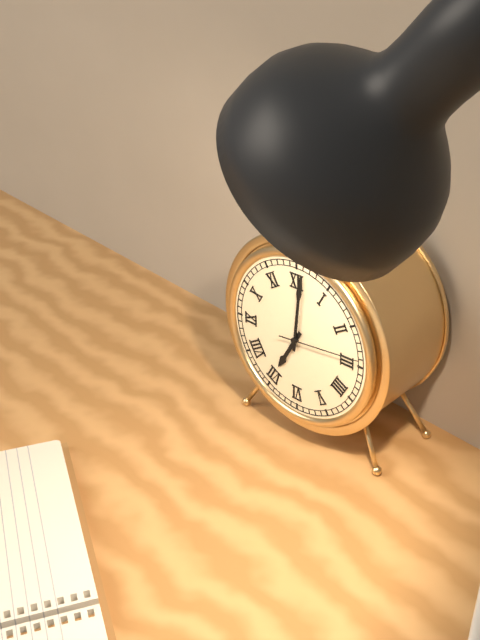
7 h 01 min 14 s
